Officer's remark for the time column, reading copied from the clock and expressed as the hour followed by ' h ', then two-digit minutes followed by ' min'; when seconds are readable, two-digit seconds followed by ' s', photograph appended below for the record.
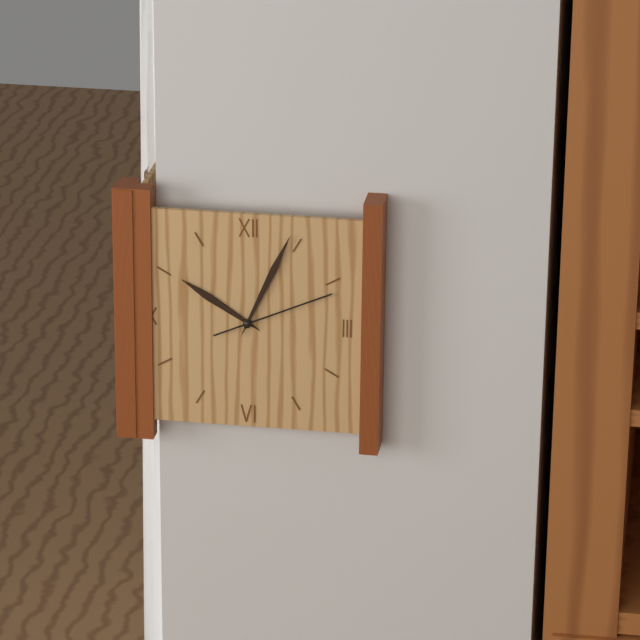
10 h 04 min 11 s
